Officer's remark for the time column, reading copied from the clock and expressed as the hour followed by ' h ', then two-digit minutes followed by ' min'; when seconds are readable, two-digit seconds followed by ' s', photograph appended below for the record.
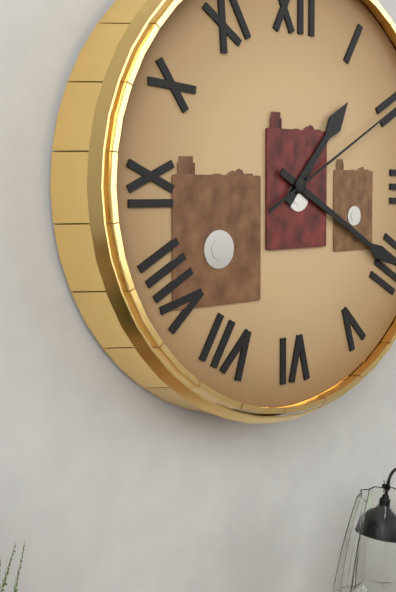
1 h 20 min
